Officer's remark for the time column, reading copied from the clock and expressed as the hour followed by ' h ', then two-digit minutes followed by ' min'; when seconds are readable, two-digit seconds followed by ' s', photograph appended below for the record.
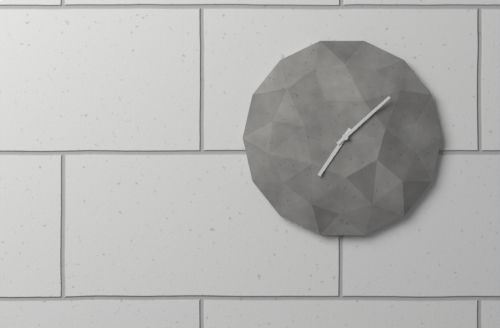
7 h 08 min
